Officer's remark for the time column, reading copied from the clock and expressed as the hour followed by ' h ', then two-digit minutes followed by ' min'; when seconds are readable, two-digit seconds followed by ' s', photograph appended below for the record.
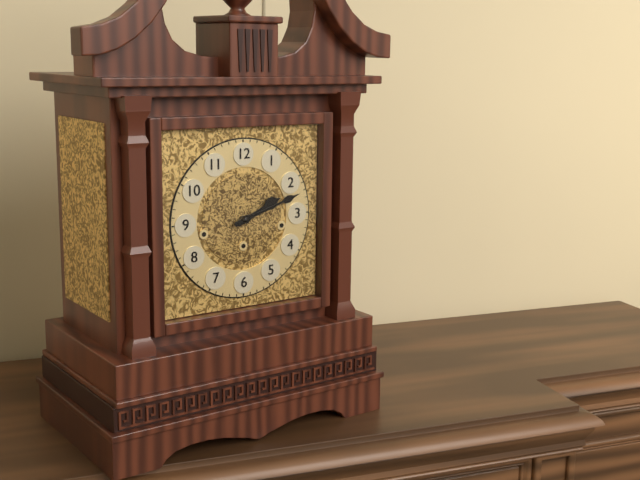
2 h 12 min
